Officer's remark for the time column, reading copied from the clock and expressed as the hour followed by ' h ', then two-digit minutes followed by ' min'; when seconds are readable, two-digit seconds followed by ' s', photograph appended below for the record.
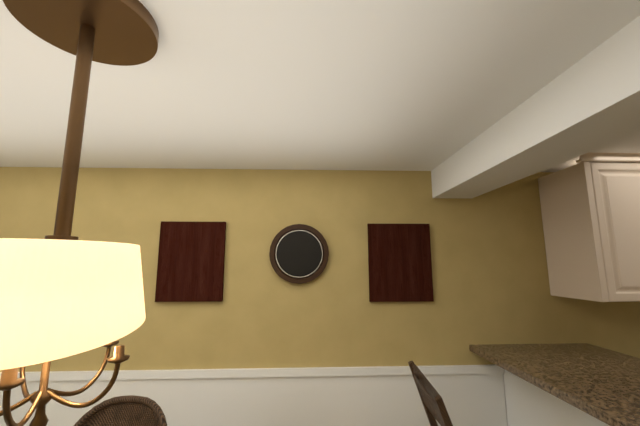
1 h 45 min
